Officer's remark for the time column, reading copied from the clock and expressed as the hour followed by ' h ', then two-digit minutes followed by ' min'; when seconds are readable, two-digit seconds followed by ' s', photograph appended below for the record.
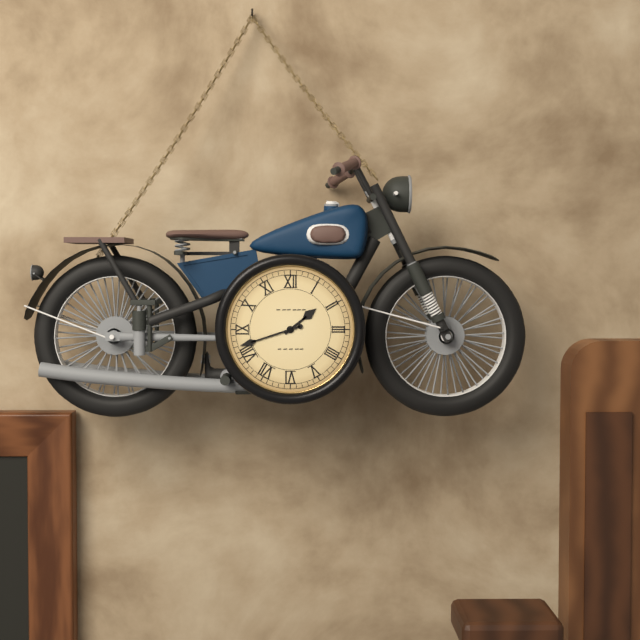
1 h 42 min
